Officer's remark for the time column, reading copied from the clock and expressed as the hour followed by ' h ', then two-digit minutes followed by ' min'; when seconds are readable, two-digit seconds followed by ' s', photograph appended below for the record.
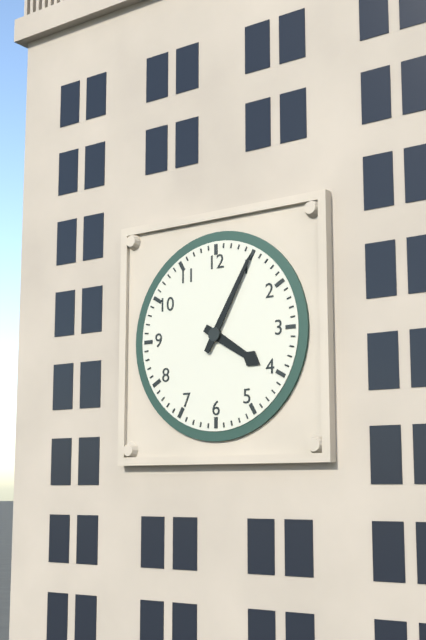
4 h 05 min
